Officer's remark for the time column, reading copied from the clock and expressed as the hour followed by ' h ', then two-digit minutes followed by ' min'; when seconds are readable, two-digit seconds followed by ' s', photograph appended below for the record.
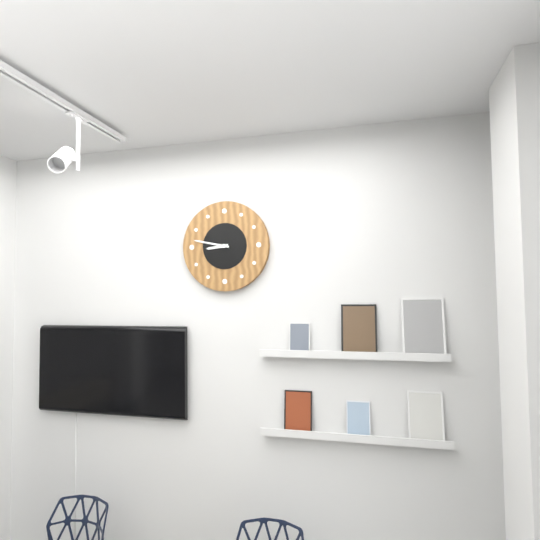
8 h 47 min
